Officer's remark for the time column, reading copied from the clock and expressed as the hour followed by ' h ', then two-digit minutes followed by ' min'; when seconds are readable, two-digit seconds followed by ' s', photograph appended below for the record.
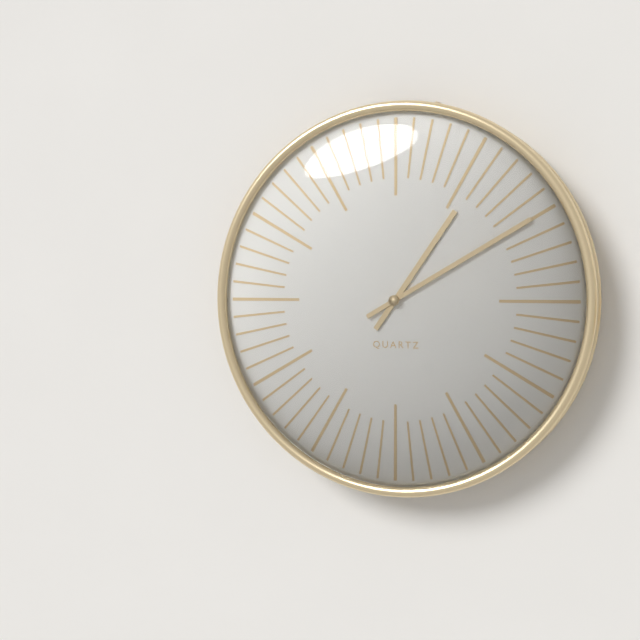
1 h 10 min
